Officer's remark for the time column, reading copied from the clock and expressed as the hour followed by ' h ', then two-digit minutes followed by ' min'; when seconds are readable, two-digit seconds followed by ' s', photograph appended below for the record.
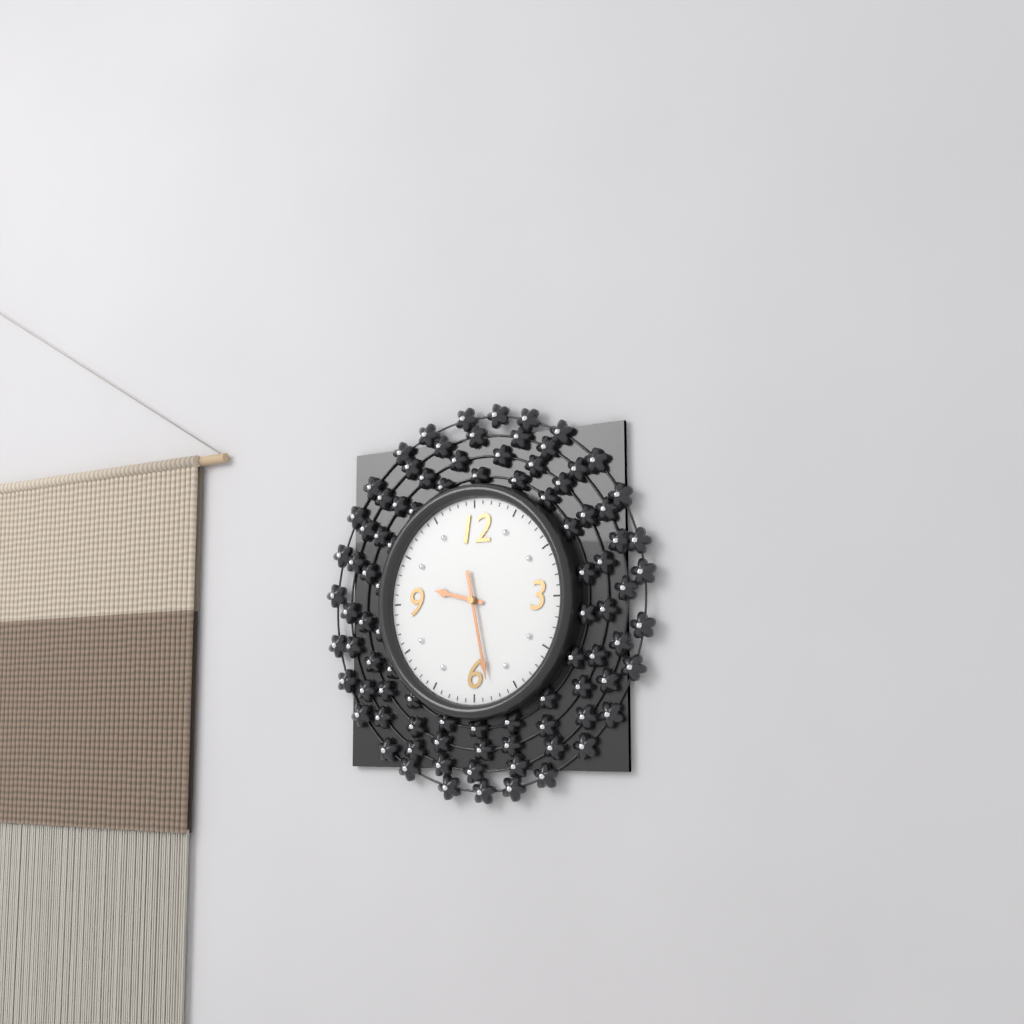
9 h 28 min
